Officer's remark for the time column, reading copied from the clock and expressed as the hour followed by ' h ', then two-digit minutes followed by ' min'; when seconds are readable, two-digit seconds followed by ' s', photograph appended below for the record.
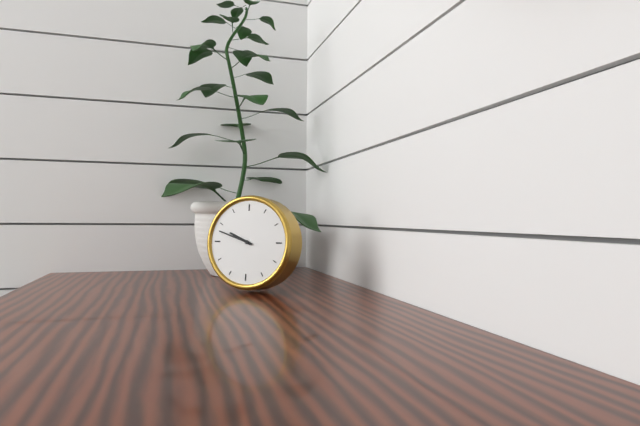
9 h 48 min
